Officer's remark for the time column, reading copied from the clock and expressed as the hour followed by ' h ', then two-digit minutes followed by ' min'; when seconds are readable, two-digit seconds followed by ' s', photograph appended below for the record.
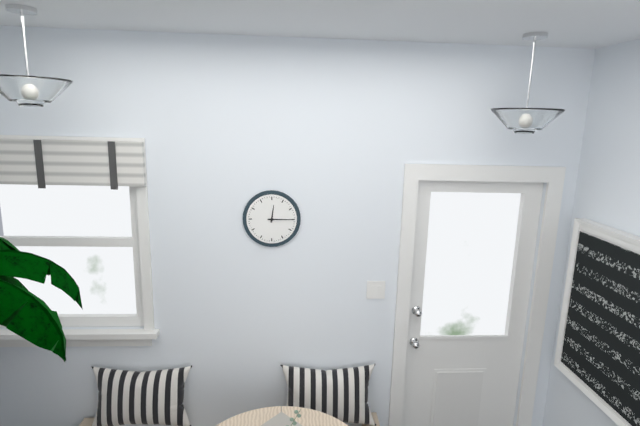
12 h 15 min
